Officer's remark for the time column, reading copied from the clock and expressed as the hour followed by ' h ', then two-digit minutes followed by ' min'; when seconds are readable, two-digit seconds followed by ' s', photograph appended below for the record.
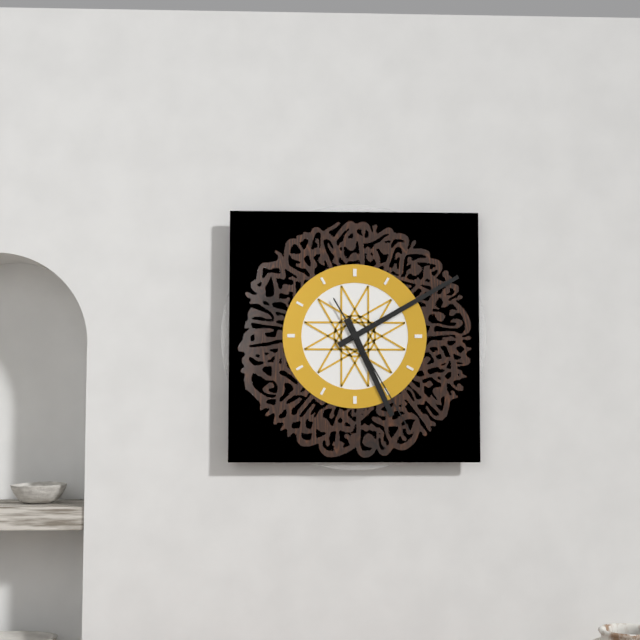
5 h 10 min 25 s
